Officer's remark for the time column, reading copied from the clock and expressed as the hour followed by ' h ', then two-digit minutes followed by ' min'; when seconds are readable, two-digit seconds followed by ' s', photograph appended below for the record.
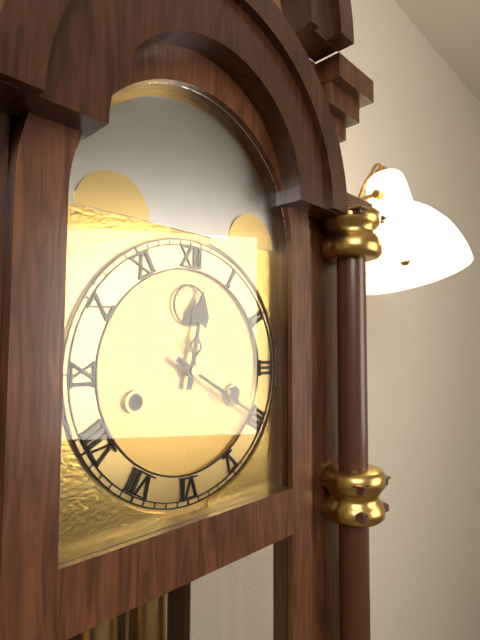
12 h 20 min
